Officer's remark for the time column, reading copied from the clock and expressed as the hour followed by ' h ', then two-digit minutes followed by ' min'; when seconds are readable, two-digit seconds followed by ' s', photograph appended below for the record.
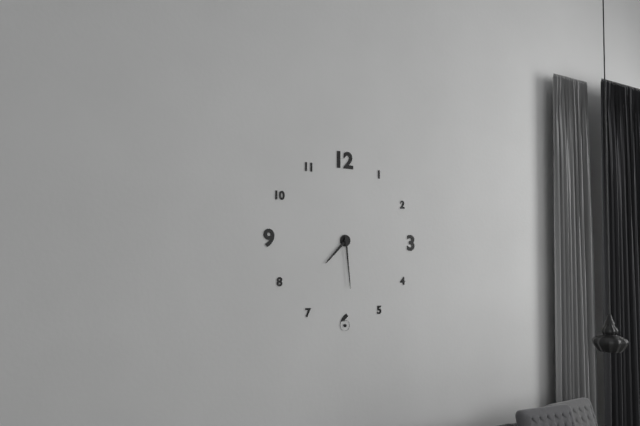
7 h 29 min
